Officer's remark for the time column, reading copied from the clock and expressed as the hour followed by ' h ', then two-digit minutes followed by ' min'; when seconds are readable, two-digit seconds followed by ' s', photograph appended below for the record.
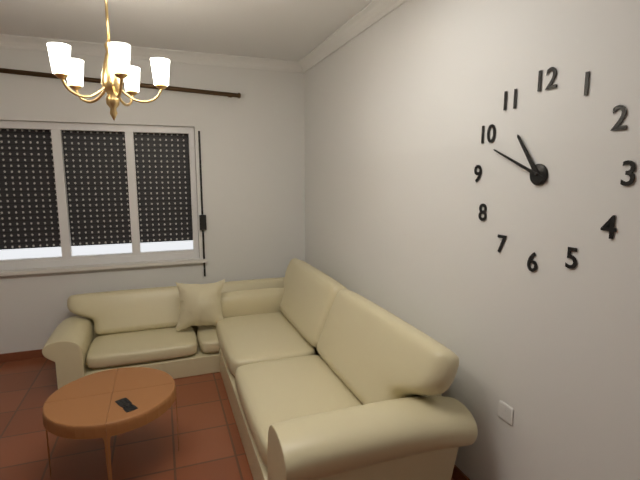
10 h 49 min
